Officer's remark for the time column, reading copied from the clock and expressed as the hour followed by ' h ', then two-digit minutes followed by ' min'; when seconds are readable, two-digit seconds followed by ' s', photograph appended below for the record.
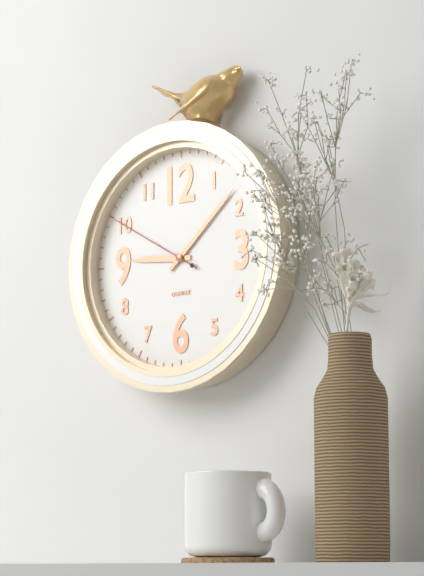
9 h 08 min 50 s
